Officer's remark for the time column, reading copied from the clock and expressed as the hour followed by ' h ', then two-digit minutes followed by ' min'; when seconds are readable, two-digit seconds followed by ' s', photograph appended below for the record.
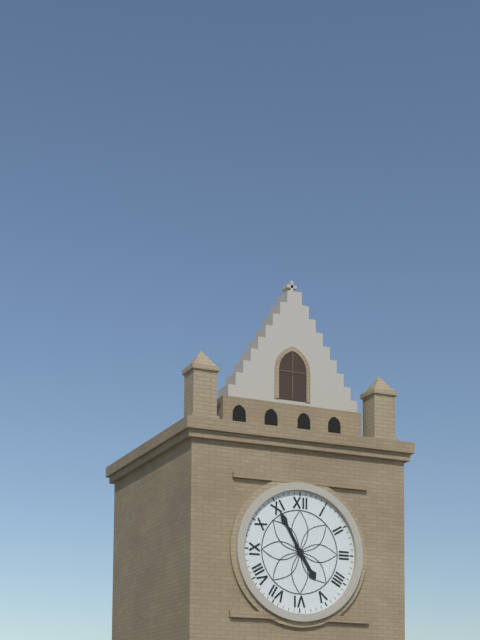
4 h 55 min
